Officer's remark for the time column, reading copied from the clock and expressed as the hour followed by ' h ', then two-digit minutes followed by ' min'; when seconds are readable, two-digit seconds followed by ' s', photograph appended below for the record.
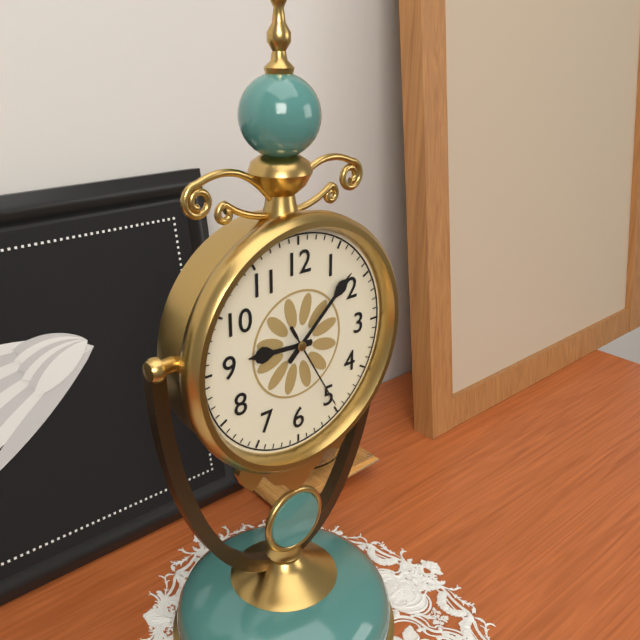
9 h 08 min 25 s
